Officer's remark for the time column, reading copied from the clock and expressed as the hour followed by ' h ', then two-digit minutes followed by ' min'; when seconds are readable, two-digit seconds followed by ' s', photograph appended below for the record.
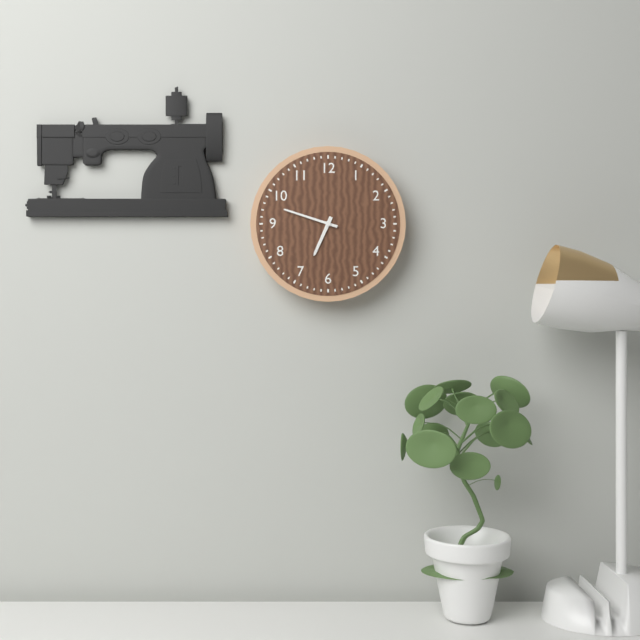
6 h 48 min
